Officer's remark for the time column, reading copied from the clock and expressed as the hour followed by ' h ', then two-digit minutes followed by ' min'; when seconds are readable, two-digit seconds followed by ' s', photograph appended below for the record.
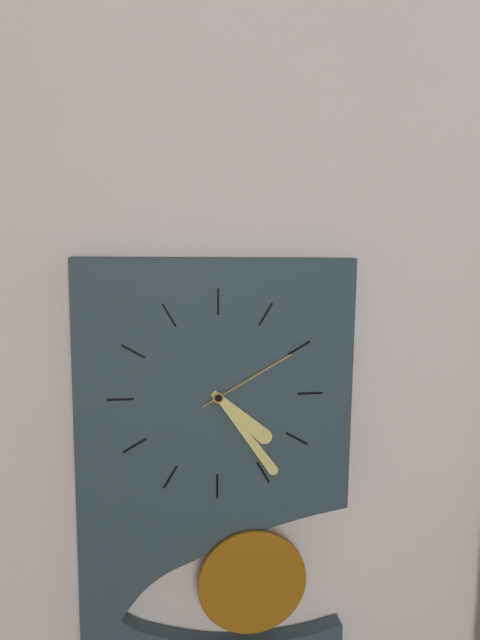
4 h 24 min 10 s
